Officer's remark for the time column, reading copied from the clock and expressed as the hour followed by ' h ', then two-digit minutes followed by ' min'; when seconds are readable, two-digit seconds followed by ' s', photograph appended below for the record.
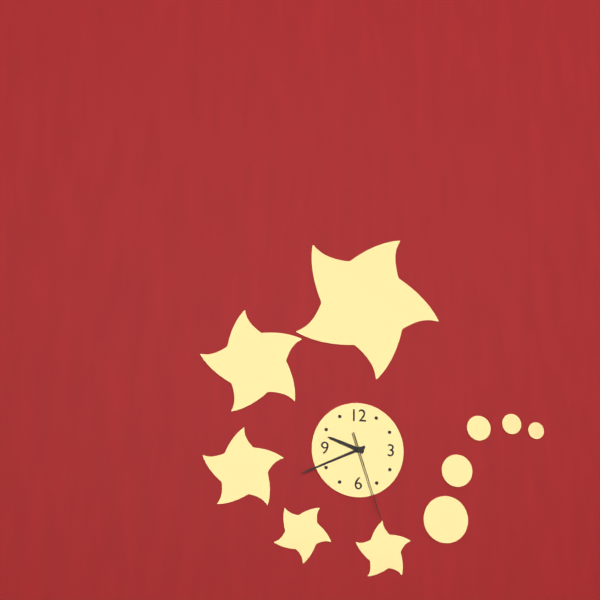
9 h 41 min 27 s
